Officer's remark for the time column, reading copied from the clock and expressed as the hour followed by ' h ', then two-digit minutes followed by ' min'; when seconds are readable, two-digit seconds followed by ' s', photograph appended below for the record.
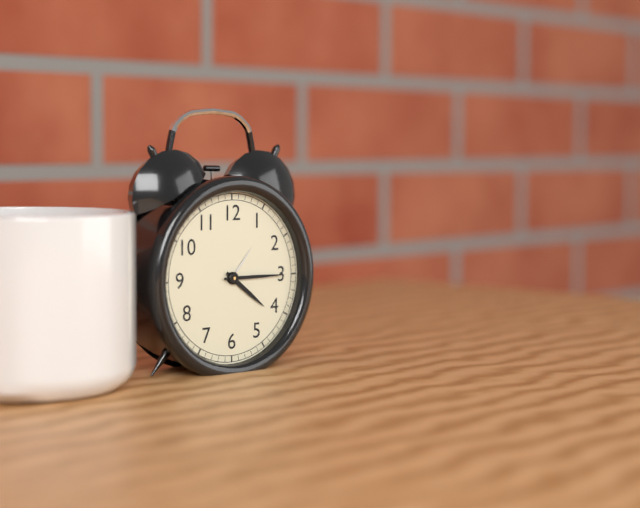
4 h 15 min
